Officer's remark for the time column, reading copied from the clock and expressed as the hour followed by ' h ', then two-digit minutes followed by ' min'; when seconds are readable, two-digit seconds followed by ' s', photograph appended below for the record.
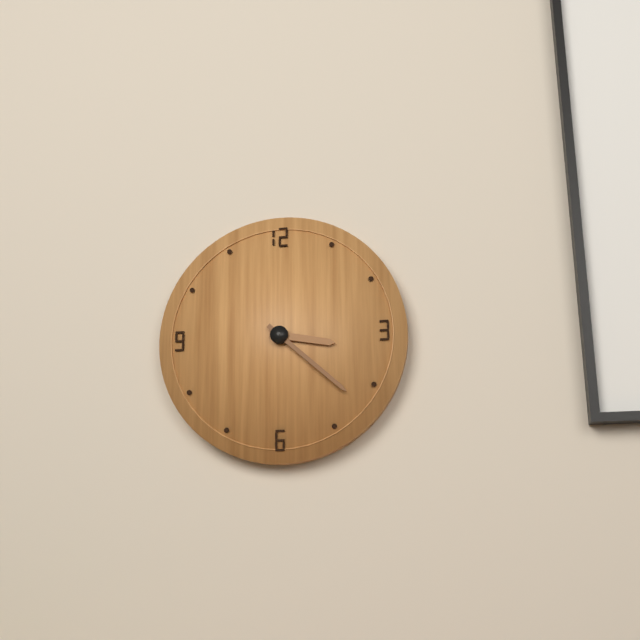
3 h 22 min
